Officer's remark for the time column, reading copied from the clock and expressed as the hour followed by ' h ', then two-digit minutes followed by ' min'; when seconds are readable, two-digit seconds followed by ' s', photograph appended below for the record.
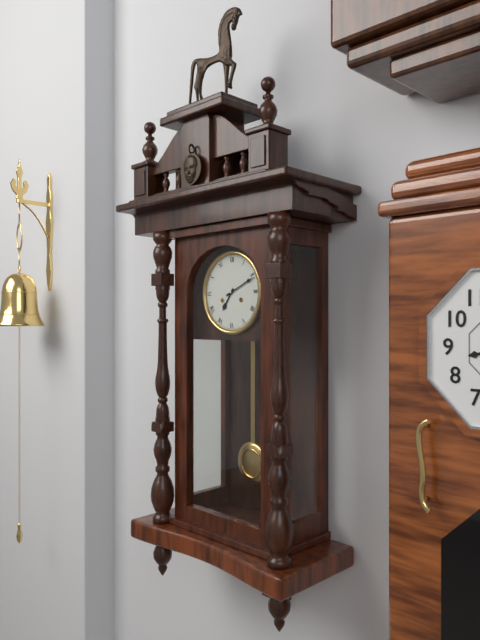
7 h 11 min
